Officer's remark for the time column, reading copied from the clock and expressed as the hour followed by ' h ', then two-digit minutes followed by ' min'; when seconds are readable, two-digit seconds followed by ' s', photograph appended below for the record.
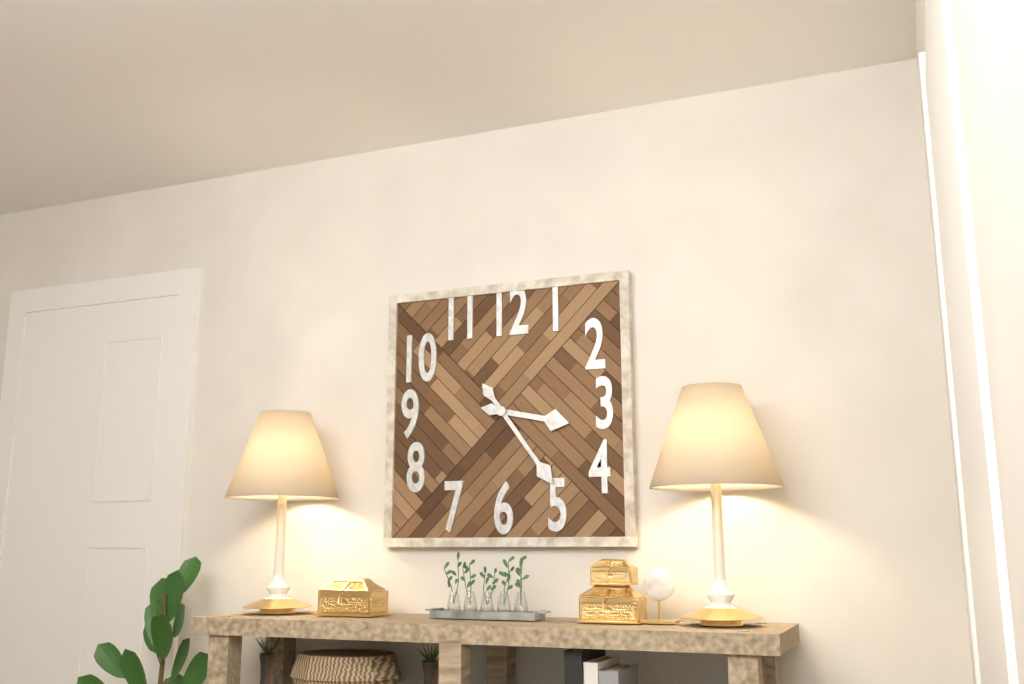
3 h 24 min
